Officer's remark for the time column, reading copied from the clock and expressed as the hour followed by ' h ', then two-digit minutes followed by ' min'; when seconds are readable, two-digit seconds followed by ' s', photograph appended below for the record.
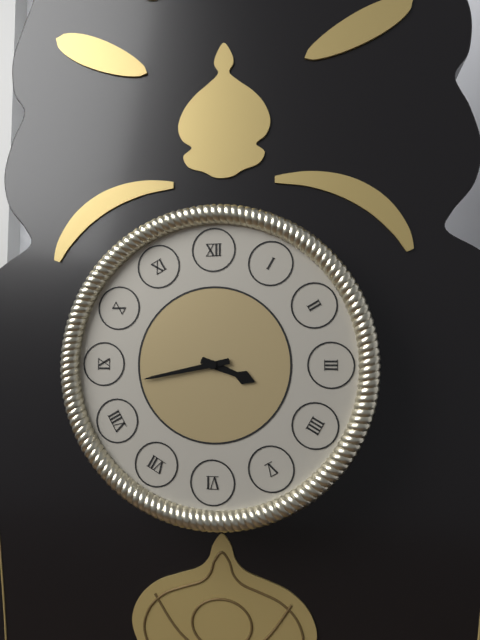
3 h 43 min
